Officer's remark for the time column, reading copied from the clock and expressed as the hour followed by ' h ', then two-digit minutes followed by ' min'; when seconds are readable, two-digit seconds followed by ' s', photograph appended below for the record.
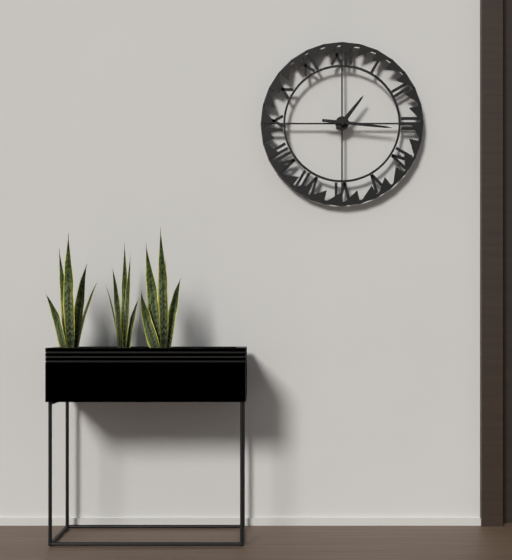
1 h 16 min
